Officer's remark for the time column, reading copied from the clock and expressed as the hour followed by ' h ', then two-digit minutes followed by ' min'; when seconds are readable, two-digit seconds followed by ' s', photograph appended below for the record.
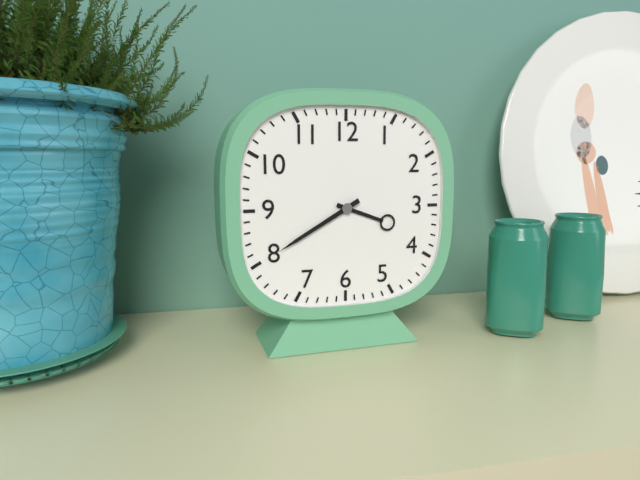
3 h 40 min
